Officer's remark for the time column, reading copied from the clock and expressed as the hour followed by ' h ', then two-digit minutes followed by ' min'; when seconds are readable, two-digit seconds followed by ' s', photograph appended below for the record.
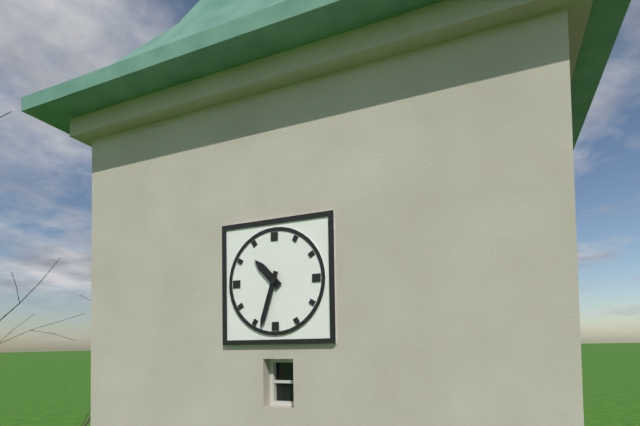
10 h 33 min
